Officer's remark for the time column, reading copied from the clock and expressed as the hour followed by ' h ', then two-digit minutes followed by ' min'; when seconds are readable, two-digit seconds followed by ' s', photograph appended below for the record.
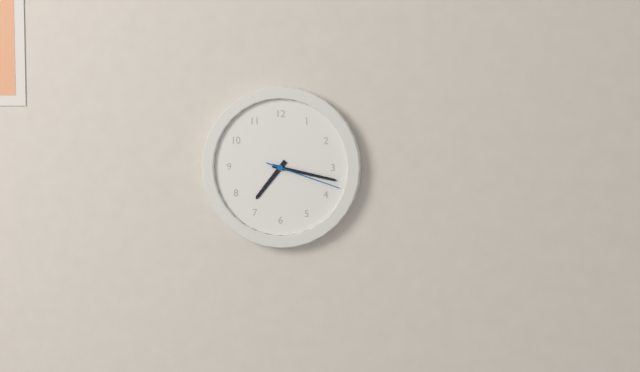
7 h 17 min 18 s
